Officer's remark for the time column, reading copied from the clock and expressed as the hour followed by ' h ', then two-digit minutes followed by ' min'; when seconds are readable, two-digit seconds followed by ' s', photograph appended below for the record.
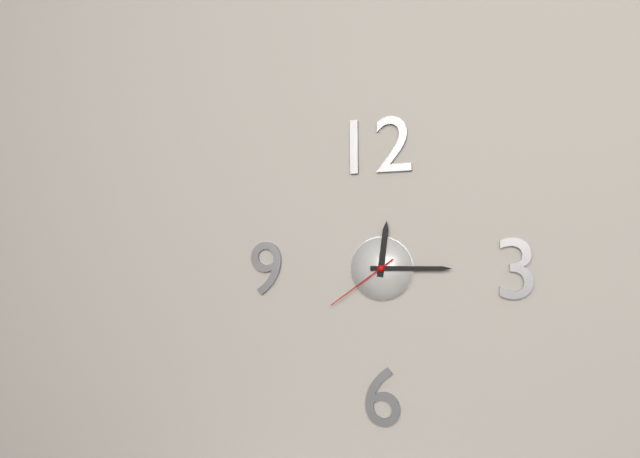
12 h 15 min 39 s
